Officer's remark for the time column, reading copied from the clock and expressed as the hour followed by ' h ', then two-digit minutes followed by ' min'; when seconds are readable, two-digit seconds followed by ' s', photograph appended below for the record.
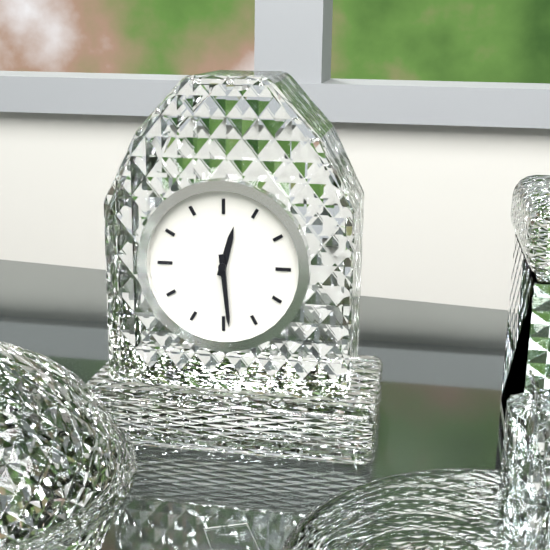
12 h 29 min
